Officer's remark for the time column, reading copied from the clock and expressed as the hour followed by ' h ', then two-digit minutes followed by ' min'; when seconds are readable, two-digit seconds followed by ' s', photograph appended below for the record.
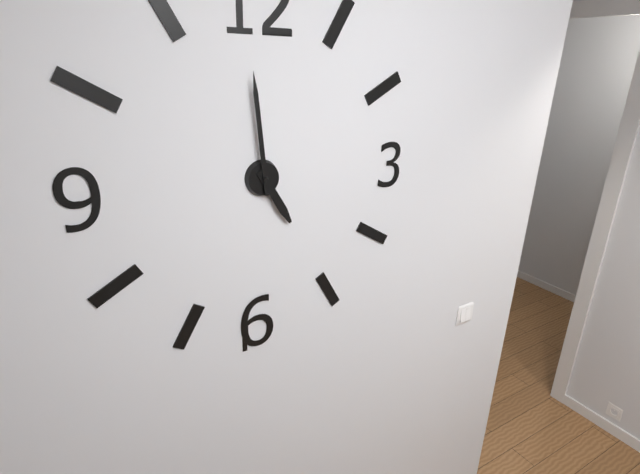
4 h 59 min
